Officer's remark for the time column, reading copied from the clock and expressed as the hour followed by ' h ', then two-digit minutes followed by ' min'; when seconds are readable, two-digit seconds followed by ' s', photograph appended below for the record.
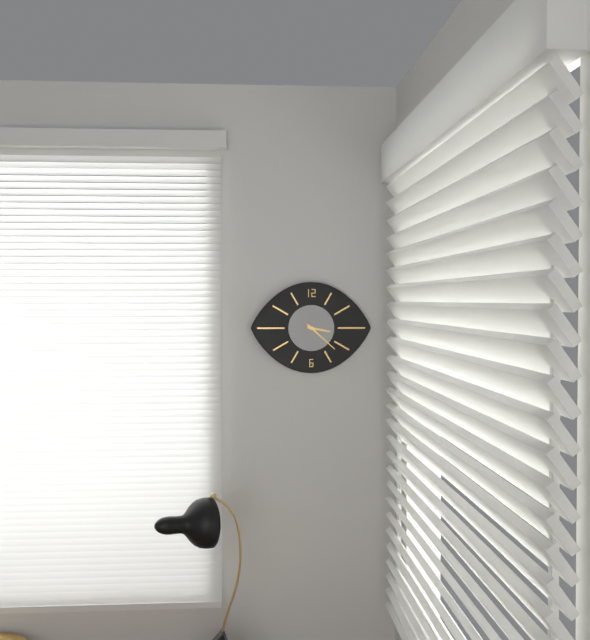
3 h 22 min
